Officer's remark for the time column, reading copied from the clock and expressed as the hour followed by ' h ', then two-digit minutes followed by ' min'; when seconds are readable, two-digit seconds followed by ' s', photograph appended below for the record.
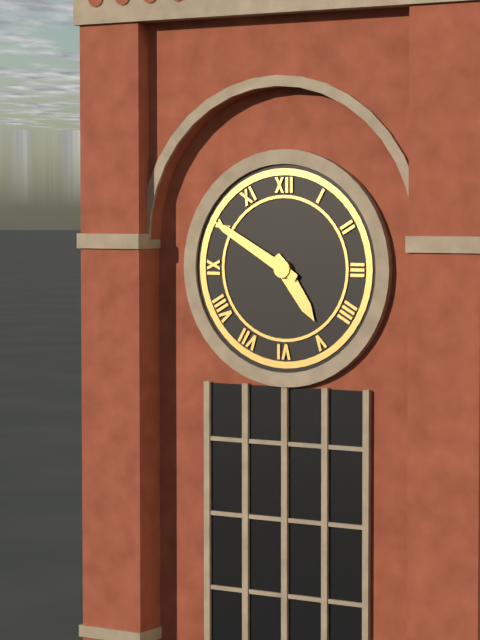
4 h 50 min
